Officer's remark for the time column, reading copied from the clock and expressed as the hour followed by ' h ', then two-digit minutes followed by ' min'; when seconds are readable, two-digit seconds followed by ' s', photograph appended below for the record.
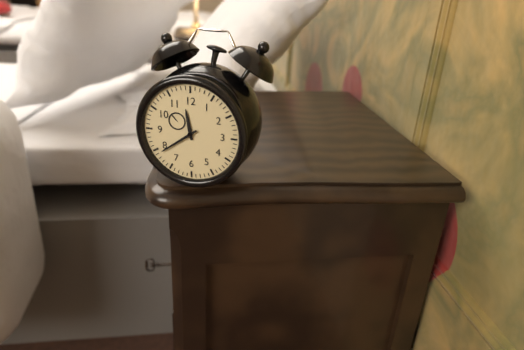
11 h 39 min
